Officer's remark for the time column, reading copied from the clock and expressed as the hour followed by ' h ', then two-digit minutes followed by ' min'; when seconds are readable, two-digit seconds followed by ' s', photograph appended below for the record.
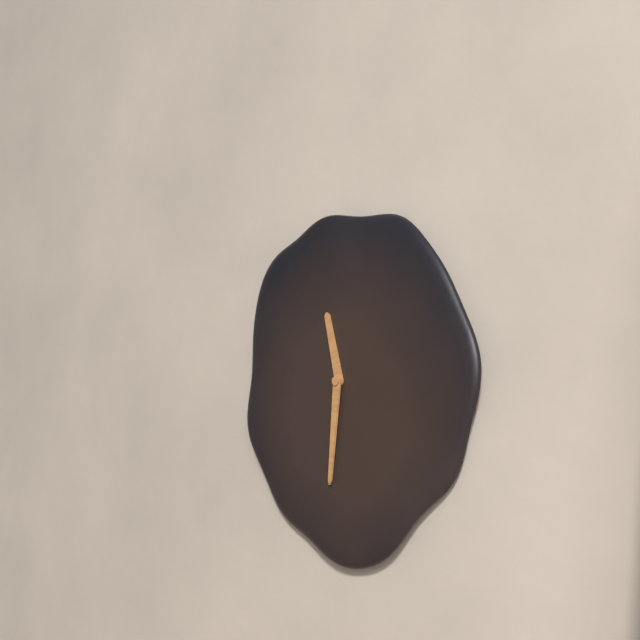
11 h 31 min
